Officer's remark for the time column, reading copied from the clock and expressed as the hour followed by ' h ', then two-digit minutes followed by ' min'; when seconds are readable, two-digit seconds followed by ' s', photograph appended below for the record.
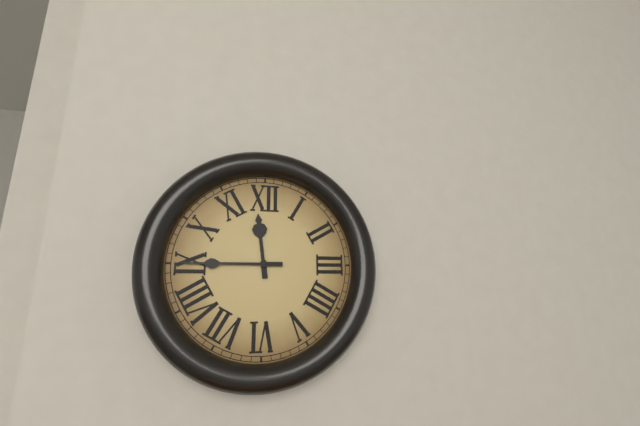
11 h 45 min
